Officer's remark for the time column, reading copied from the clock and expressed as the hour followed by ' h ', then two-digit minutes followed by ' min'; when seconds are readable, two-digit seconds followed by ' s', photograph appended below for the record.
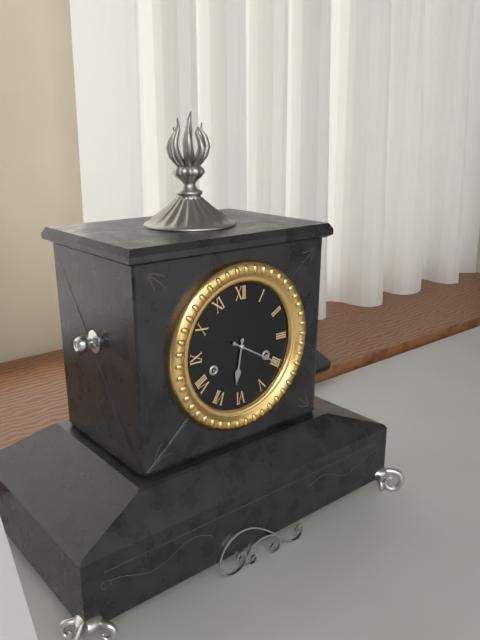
6 h 20 min
